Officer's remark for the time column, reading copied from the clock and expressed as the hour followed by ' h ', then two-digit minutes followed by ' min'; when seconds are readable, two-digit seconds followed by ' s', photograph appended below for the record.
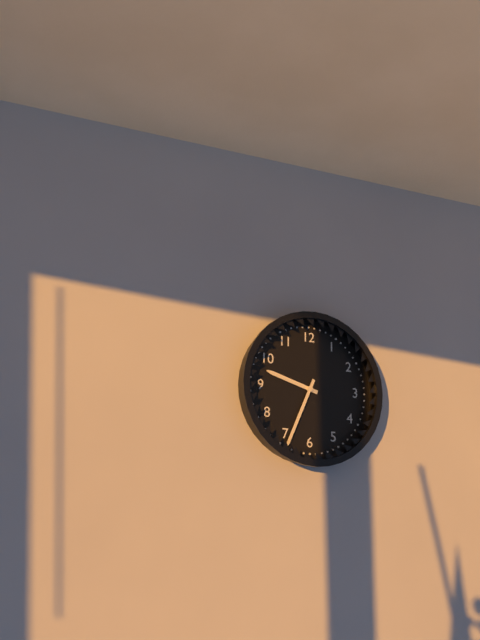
9 h 34 min
